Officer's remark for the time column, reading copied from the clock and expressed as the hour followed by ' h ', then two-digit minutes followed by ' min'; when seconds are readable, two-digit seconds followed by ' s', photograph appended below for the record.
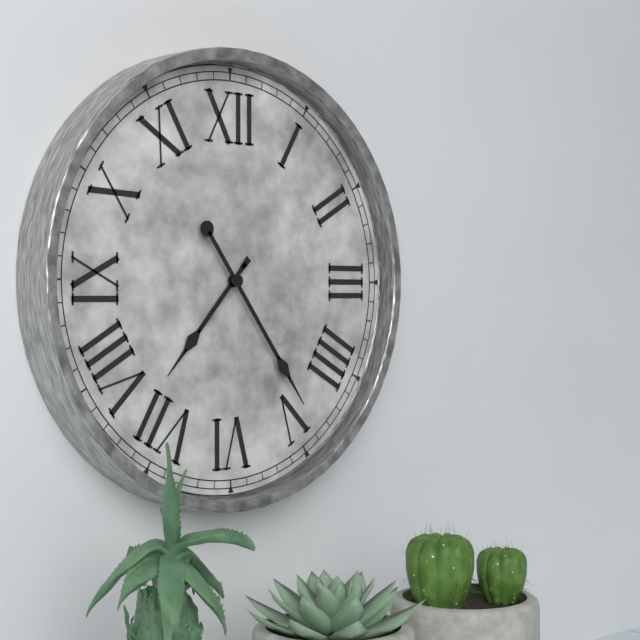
7 h 24 min
